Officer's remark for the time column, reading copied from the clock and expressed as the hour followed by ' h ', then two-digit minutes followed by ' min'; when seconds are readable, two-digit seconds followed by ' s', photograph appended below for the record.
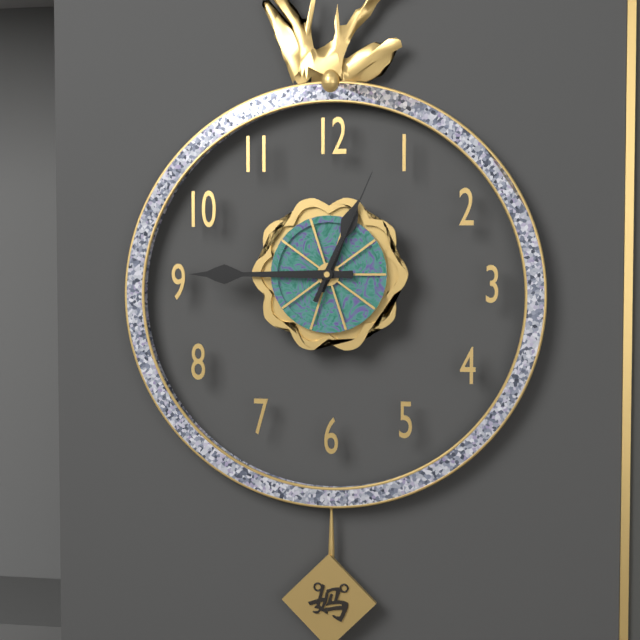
12 h 45 min 04 s
